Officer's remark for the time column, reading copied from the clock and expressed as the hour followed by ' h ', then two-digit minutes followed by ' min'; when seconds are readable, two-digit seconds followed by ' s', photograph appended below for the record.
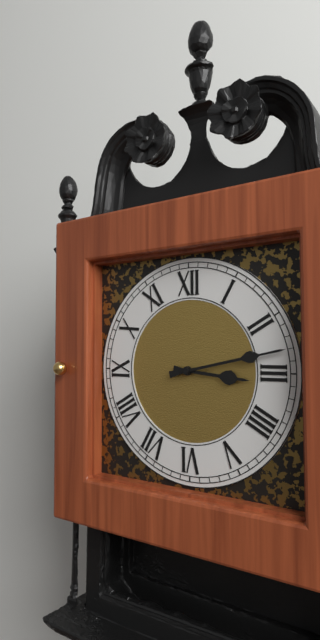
3 h 13 min
